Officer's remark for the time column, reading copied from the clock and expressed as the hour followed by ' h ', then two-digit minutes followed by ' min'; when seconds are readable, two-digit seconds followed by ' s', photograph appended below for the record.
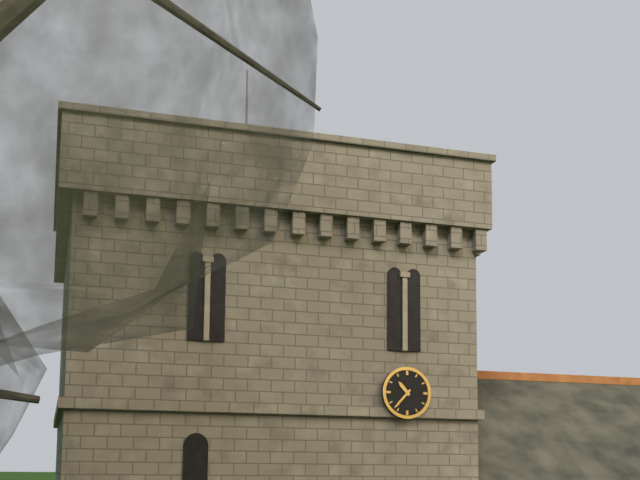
10 h 37 min
